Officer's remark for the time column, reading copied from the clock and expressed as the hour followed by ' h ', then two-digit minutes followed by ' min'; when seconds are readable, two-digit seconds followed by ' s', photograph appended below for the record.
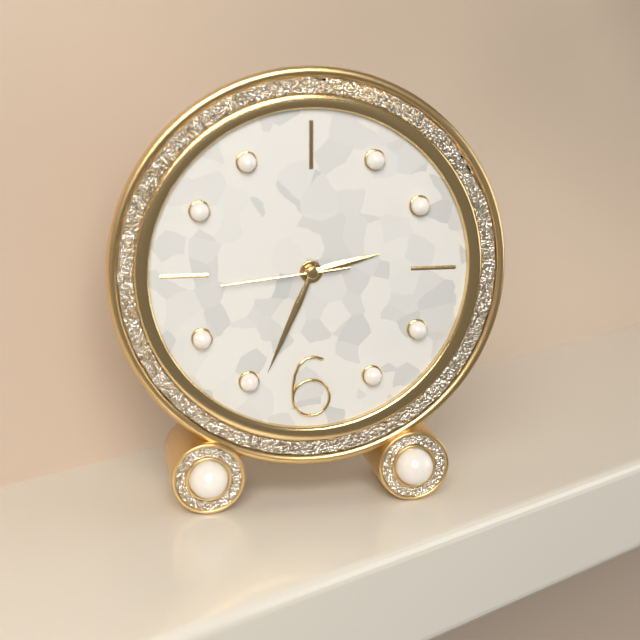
2 h 34 min 44 s
